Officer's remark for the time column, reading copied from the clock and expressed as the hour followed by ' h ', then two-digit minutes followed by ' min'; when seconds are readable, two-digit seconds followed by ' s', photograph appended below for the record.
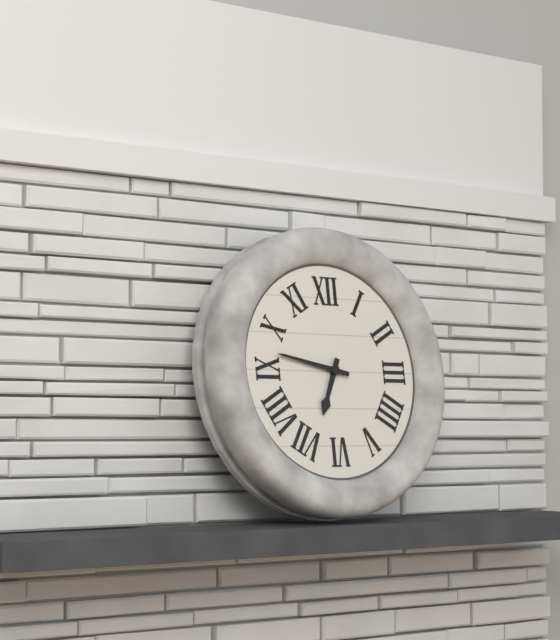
6 h 47 min
